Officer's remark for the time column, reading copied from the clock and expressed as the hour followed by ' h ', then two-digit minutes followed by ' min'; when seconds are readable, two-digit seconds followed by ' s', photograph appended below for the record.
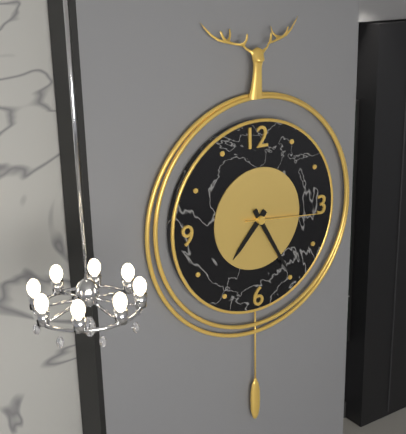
7 h 25 min 16 s
